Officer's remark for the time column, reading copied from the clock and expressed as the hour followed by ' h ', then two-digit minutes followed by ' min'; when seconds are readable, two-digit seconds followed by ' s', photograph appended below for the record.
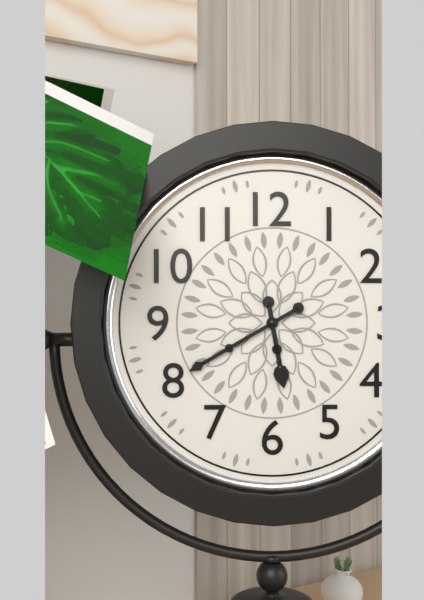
5 h 40 min
